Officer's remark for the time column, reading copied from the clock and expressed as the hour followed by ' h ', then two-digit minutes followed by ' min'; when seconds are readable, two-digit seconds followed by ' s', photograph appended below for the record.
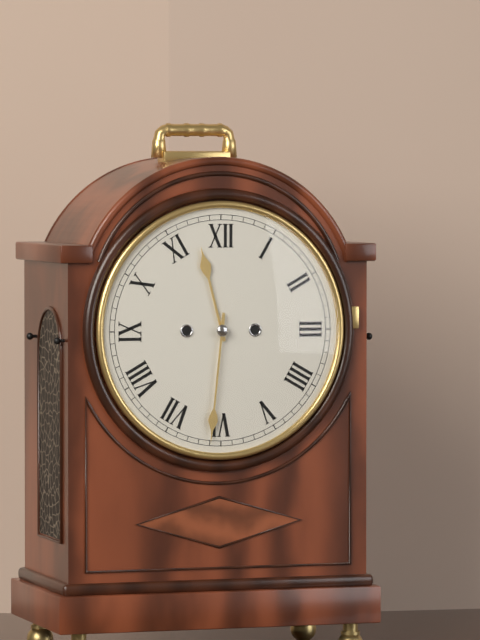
11 h 31 min
